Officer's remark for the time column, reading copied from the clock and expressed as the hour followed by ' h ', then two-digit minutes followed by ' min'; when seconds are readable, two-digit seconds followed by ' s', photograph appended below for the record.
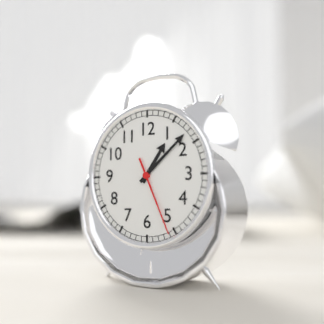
1 h 08 min 26 s
